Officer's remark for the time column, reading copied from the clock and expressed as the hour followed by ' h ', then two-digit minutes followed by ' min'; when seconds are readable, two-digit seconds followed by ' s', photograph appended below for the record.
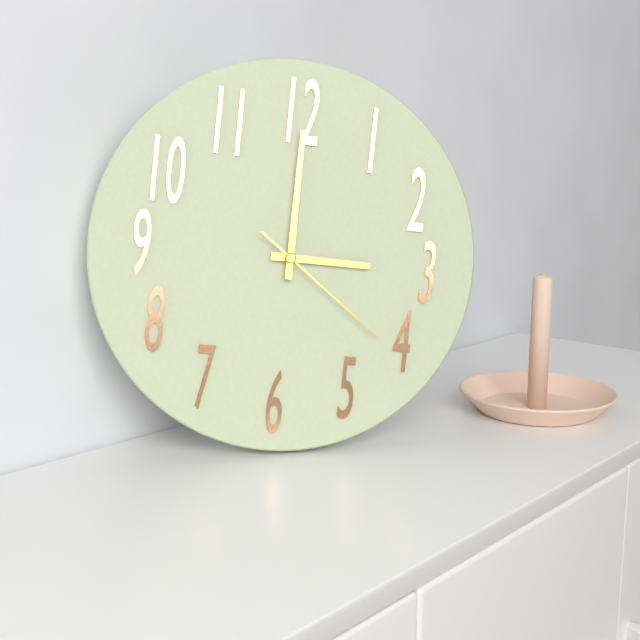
3 h 00 min 21 s
